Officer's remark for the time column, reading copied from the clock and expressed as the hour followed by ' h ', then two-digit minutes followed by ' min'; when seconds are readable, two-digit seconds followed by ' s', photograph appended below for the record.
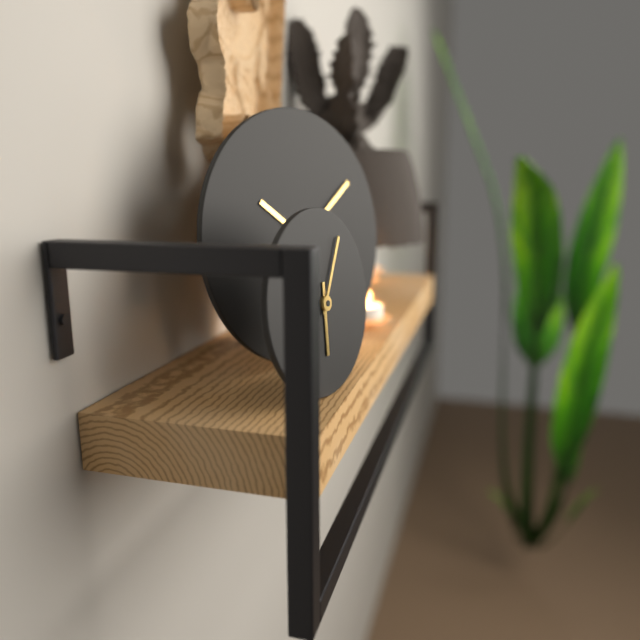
6 h 05 min
